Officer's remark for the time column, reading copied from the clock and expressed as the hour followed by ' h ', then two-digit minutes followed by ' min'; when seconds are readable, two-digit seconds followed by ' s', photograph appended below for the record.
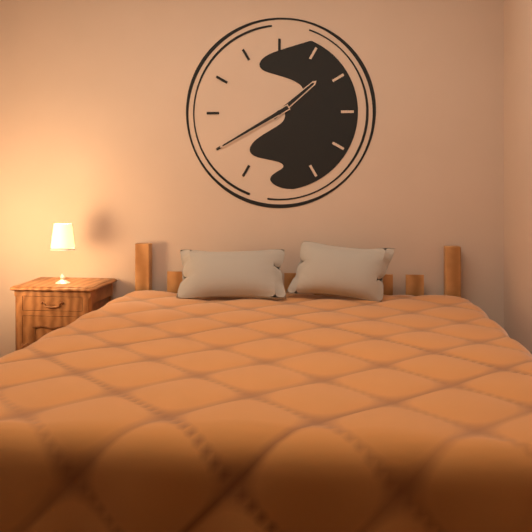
1 h 40 min
